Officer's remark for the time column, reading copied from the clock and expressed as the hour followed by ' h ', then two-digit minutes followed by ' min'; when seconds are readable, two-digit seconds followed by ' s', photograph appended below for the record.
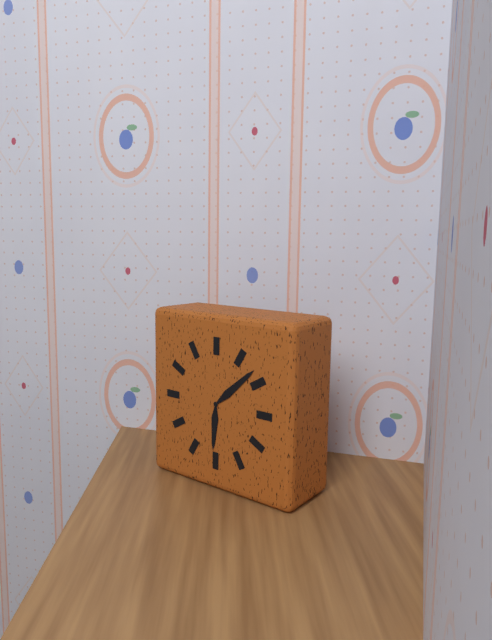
6 h 08 min
